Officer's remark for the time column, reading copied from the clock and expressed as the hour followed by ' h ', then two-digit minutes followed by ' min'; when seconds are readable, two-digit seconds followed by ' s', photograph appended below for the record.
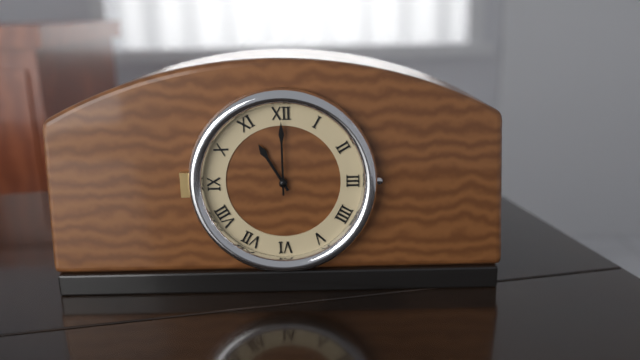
11 h 00 min
